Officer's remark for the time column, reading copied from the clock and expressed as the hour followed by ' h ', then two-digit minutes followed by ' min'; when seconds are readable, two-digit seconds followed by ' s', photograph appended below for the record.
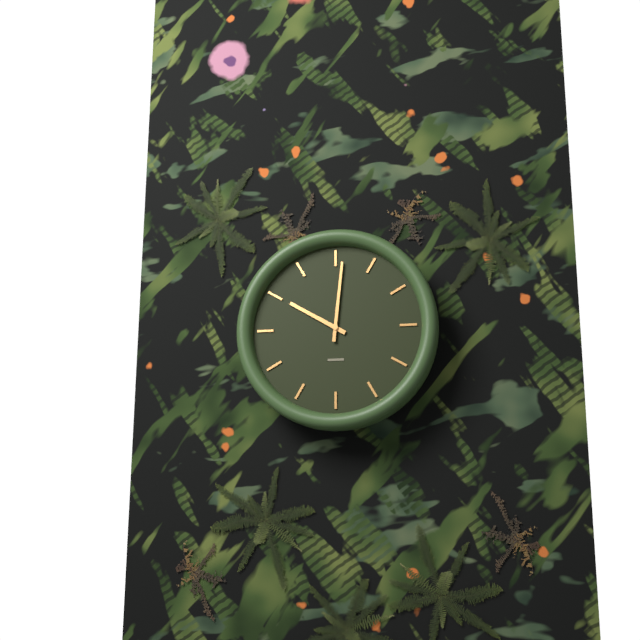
10 h 01 min
